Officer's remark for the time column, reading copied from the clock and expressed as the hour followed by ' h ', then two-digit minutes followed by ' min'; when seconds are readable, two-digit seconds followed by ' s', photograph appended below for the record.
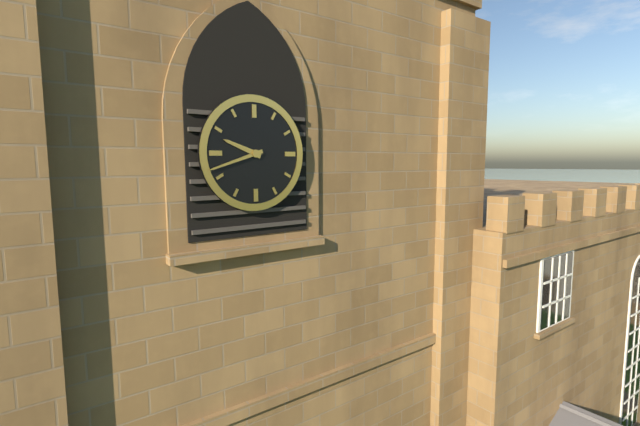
9 h 42 min
